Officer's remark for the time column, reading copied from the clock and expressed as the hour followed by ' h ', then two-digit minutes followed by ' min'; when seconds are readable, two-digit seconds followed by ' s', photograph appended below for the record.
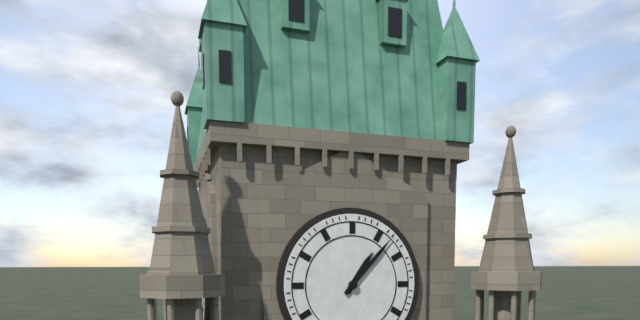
1 h 07 min
